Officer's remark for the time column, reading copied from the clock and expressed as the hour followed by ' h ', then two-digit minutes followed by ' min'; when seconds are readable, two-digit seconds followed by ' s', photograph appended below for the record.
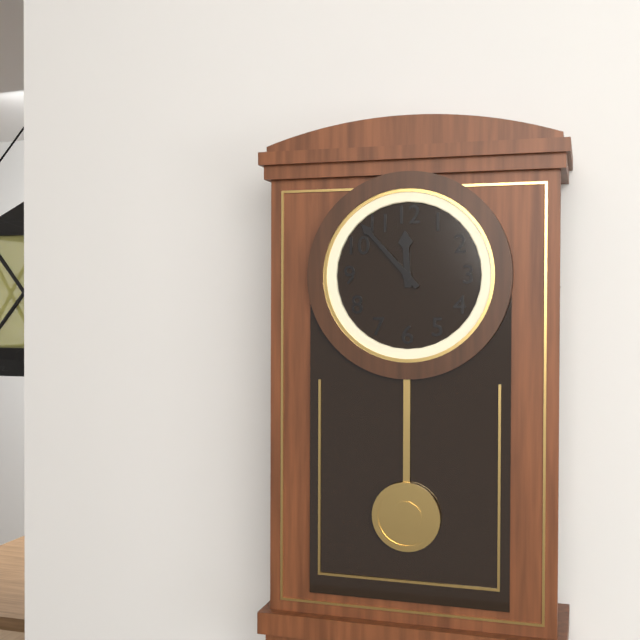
11 h 53 min
